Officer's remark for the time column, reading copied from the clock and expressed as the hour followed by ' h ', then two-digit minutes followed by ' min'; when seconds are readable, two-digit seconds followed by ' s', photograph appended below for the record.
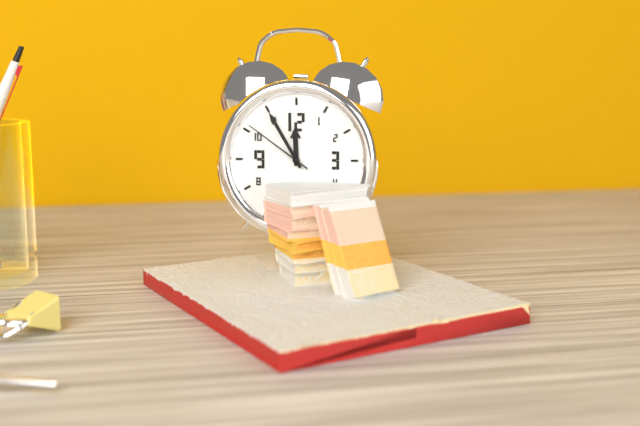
11 h 55 min 51 s
